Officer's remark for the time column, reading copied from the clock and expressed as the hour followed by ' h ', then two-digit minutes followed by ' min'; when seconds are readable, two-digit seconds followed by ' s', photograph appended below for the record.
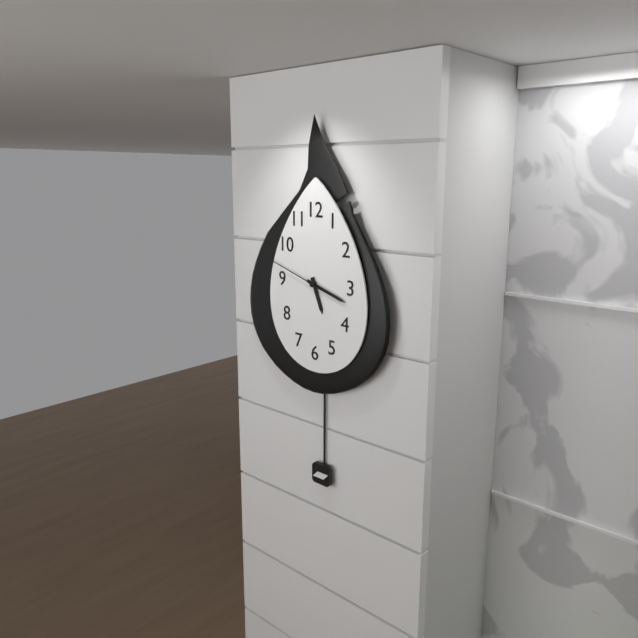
5 h 18 min 48 s
